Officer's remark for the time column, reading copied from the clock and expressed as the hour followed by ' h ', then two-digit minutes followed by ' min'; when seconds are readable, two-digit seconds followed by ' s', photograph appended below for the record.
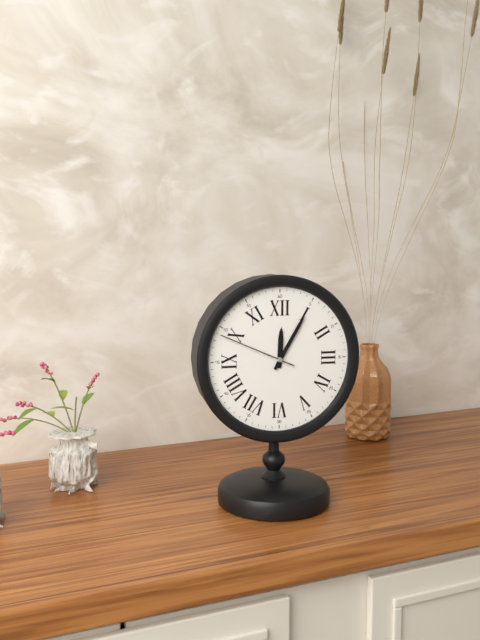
12 h 05 min 49 s
